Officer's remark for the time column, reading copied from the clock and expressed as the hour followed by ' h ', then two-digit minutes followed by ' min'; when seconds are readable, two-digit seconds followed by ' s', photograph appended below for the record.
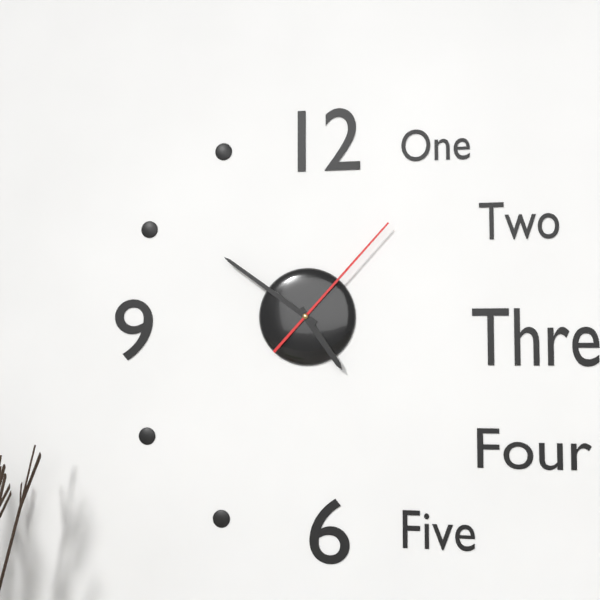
4 h 51 min 07 s
